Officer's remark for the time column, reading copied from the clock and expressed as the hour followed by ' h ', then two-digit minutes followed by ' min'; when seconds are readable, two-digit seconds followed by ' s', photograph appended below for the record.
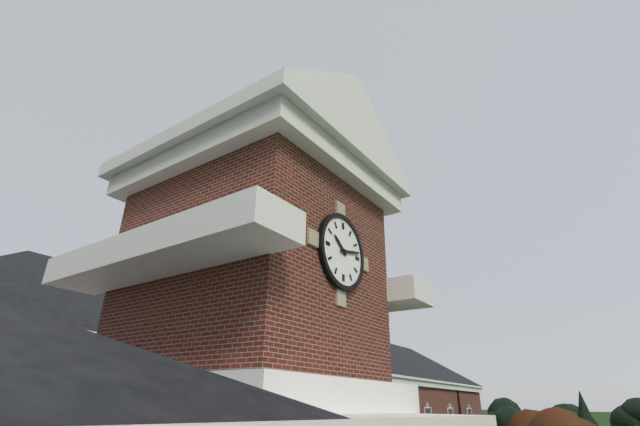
10 h 13 min
